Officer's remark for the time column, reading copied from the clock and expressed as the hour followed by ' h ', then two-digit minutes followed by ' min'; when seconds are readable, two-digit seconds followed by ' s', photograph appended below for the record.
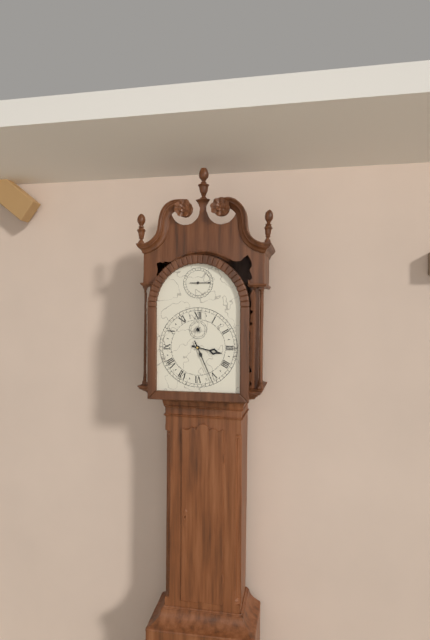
3 h 26 min
